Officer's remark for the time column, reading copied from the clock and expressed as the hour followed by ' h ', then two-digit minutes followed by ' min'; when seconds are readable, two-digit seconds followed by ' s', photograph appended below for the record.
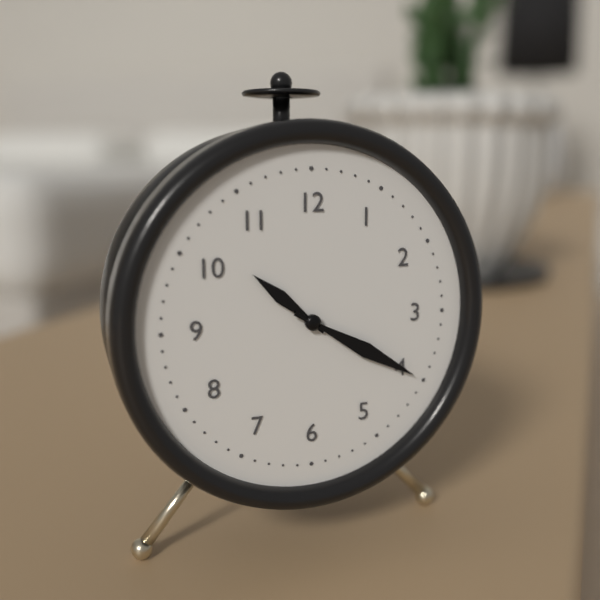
10 h 20 min
